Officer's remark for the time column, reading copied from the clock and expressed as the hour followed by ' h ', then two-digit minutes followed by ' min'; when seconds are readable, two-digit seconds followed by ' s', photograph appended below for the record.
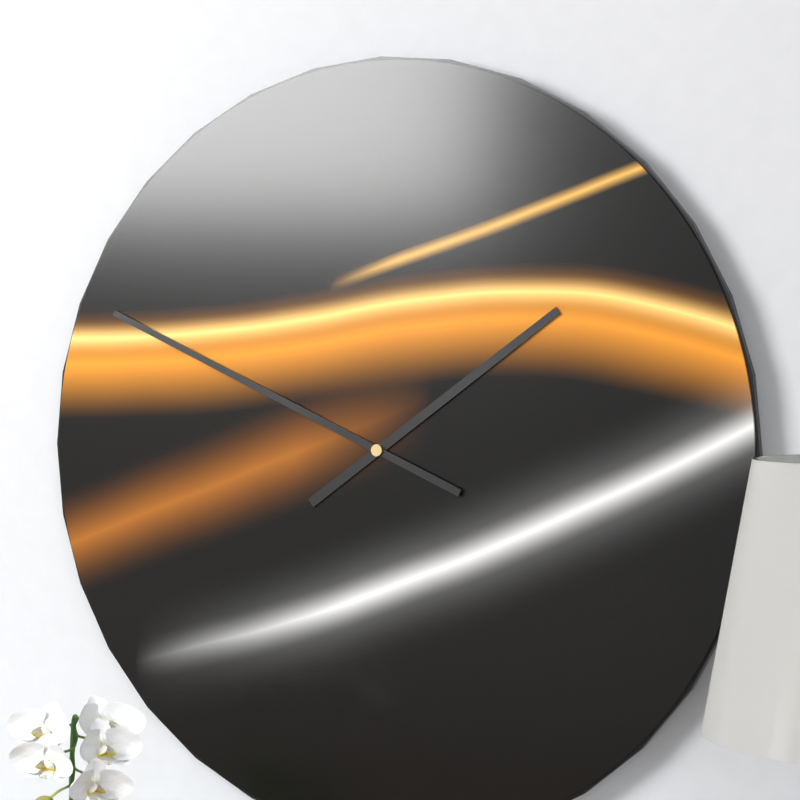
1 h 49 min
